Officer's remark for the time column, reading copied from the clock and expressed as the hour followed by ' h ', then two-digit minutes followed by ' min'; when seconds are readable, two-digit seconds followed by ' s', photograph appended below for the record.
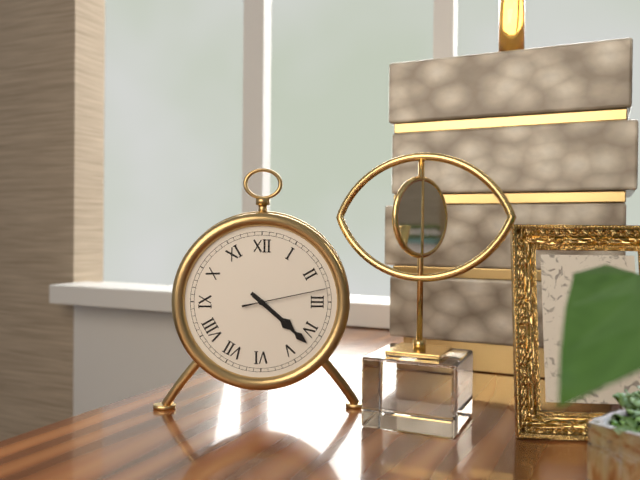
4 h 22 min 13 s
